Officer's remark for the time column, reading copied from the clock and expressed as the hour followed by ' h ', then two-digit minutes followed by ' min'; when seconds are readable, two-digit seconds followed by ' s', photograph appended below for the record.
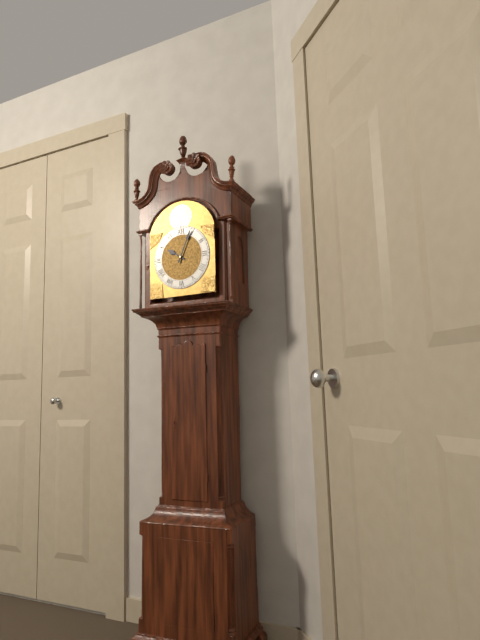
10 h 04 min
